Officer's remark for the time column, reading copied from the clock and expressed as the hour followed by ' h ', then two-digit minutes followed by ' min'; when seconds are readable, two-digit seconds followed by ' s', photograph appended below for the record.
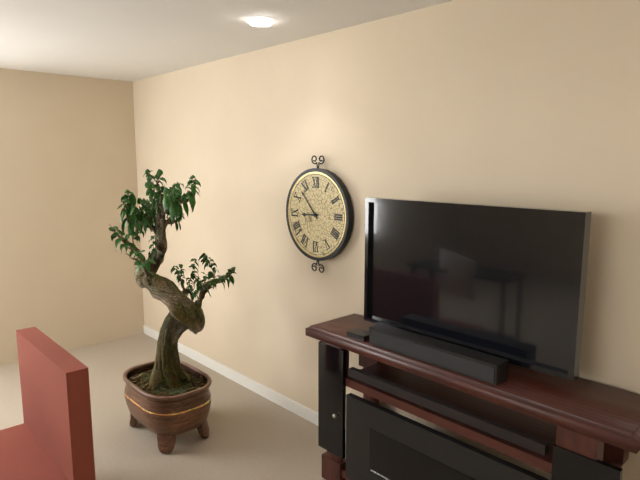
8 h 53 min
